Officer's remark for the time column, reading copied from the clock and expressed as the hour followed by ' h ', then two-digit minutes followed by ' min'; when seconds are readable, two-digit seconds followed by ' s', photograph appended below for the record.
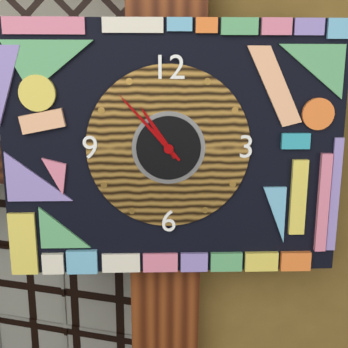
10 h 53 min
